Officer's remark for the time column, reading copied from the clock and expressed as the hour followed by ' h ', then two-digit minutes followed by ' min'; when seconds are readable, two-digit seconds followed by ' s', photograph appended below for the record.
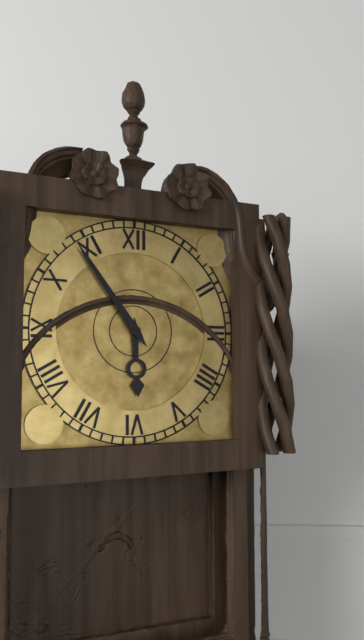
5 h 54 min
